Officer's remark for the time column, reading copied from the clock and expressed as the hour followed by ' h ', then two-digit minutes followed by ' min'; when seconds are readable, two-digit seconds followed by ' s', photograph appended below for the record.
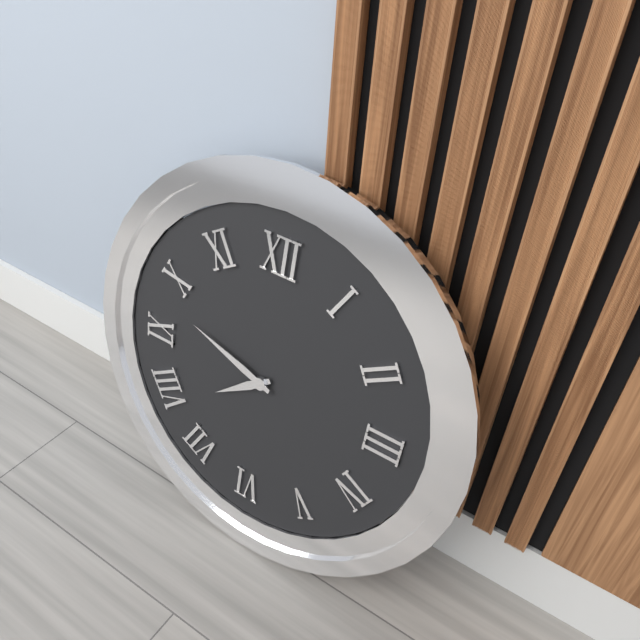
7 h 48 min
